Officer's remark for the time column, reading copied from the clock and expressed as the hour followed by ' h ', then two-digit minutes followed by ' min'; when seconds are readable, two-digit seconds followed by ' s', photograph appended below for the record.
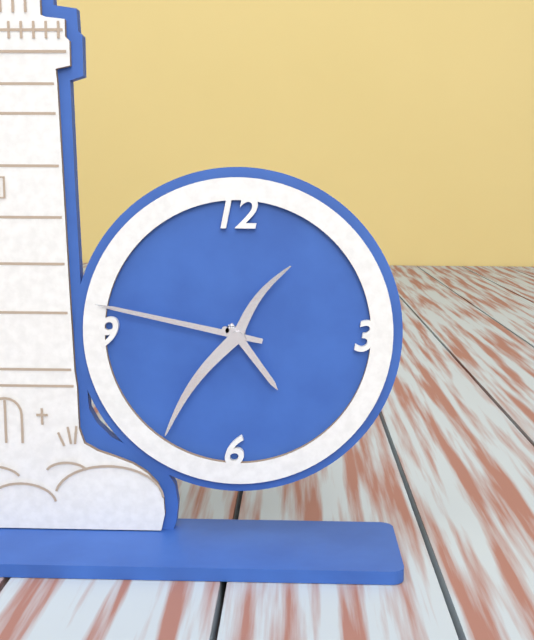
4 h 47 min 36 s
